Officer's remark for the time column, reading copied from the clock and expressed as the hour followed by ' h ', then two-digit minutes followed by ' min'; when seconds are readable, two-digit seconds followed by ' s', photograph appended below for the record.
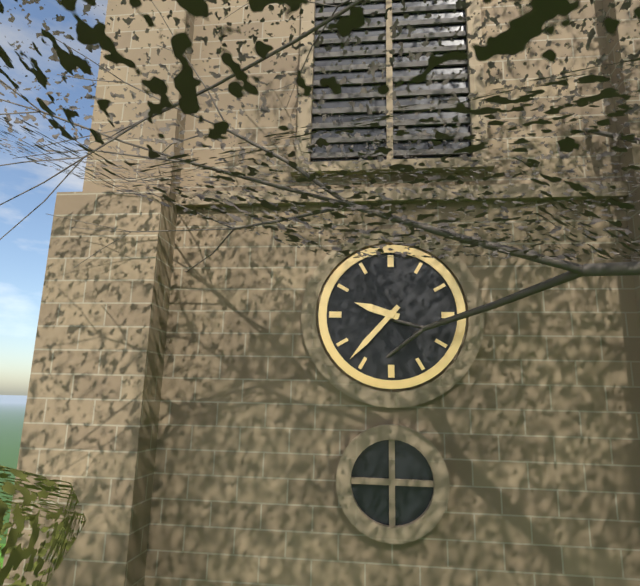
9 h 37 min
